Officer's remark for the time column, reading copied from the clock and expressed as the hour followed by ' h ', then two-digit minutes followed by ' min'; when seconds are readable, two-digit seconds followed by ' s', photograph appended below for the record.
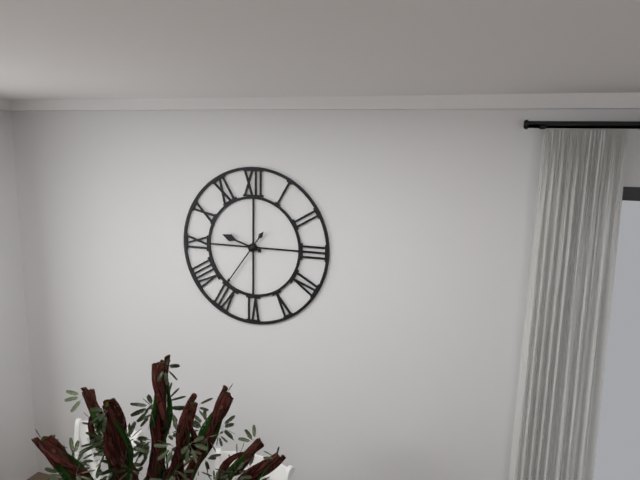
9 h 36 min
